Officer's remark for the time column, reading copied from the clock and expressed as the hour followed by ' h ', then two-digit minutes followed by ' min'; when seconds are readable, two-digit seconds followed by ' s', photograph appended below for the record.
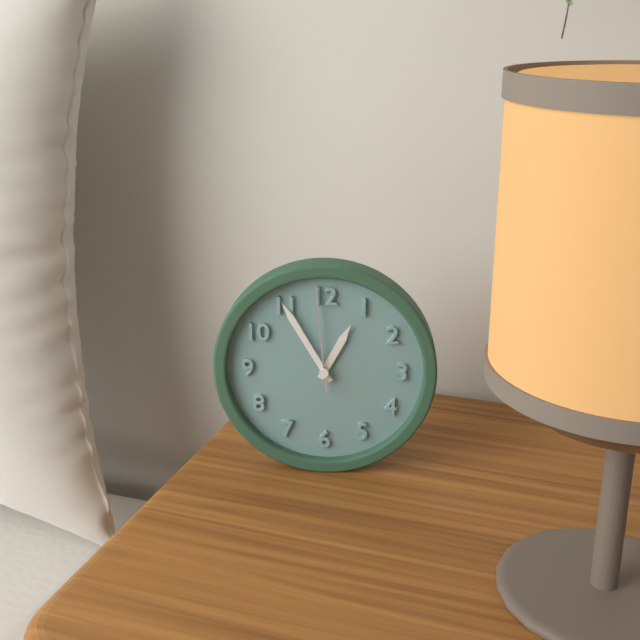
12 h 55 min 59 s
